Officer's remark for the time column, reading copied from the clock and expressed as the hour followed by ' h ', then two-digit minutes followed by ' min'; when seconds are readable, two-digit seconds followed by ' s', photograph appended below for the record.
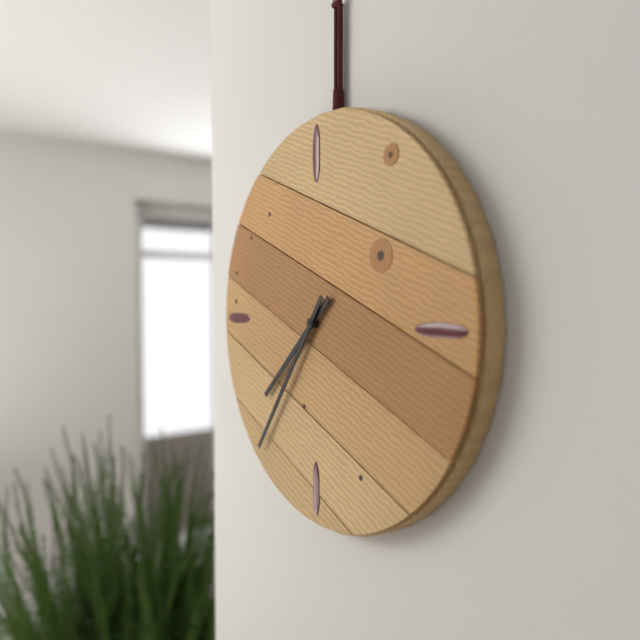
7 h 36 min
